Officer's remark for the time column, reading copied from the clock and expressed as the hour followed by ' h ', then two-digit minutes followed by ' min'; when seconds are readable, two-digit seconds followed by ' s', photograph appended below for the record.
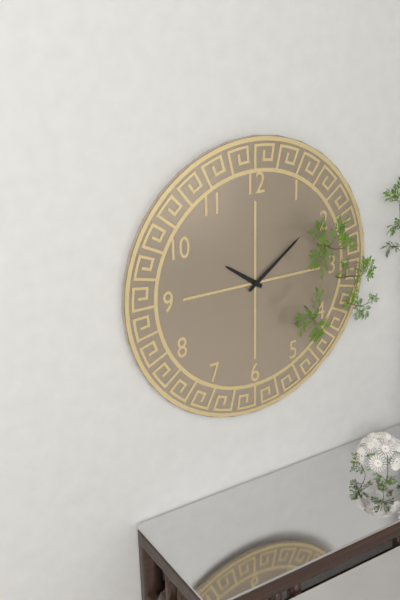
10 h 09 min
